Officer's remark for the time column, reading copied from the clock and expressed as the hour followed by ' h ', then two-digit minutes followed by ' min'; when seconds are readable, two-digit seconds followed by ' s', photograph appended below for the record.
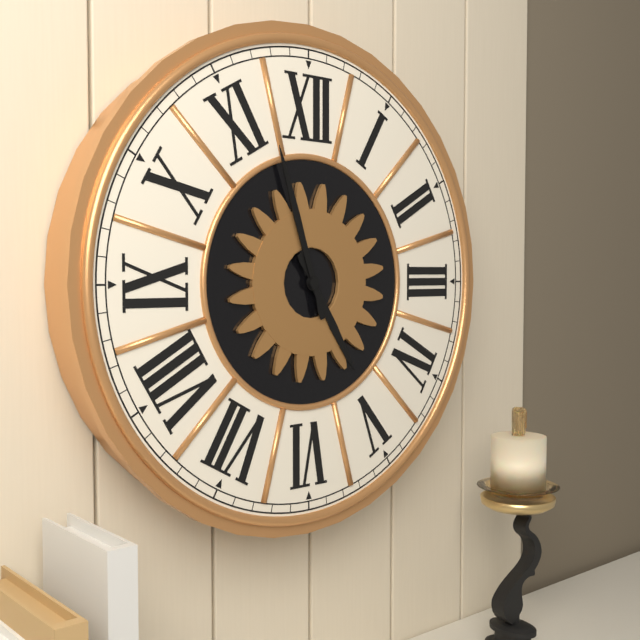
4 h 57 min
